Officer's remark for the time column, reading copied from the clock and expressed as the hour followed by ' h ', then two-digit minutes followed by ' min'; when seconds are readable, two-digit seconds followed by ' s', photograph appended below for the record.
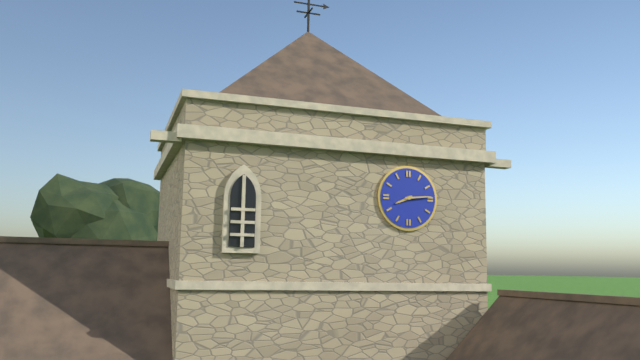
8 h 14 min
